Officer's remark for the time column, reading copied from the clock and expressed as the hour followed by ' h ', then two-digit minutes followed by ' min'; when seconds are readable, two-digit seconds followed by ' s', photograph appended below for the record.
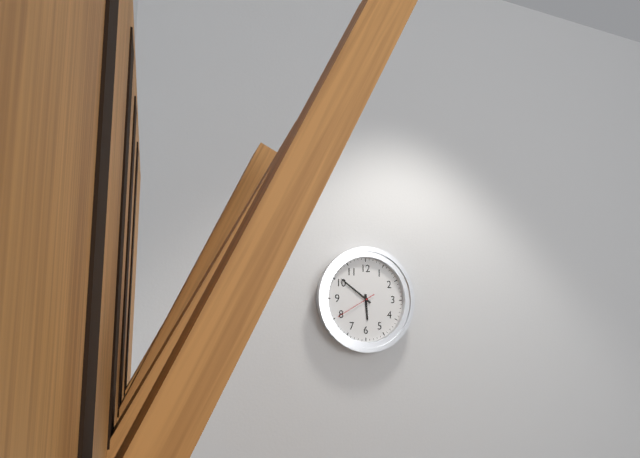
5 h 51 min
